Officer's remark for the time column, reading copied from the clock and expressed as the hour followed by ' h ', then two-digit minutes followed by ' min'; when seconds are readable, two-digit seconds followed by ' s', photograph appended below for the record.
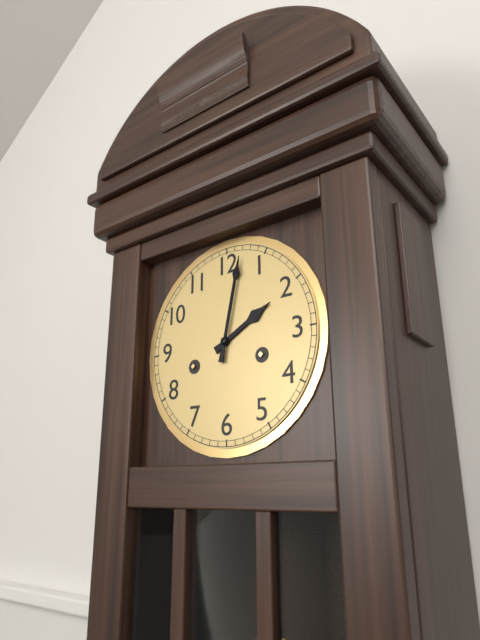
2 h 02 min
